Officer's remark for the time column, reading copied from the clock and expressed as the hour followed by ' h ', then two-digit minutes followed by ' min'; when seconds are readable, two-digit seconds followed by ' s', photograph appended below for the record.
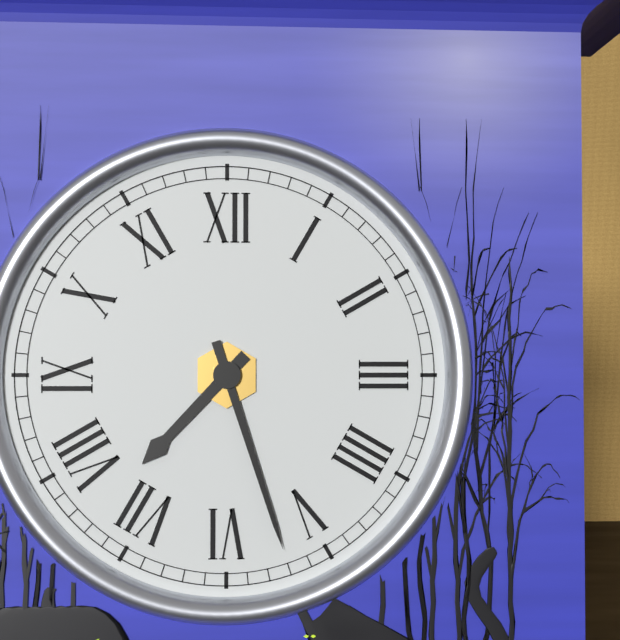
7 h 27 min
